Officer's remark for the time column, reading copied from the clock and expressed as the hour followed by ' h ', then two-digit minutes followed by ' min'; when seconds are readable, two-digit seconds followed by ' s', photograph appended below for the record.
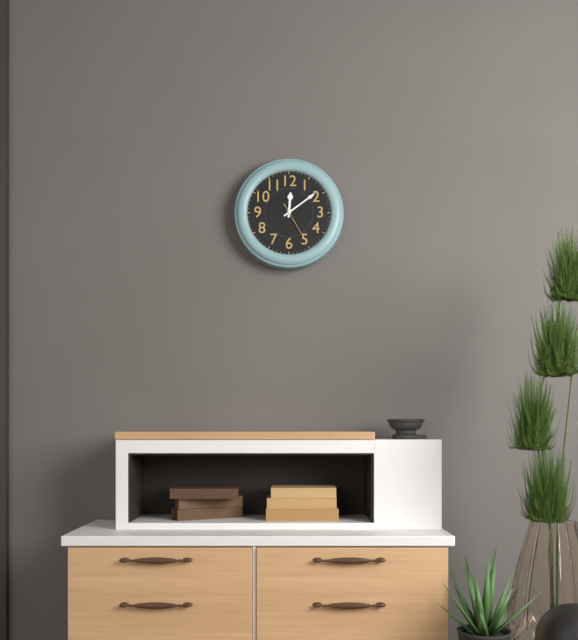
12 h 09 min
